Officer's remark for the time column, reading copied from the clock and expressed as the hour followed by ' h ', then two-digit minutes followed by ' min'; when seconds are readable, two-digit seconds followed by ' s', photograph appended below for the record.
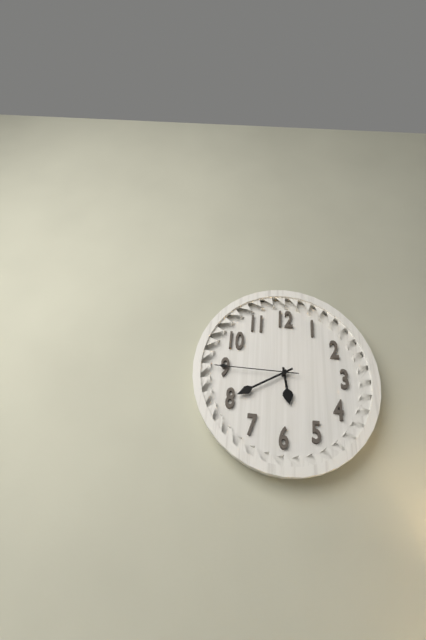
5 h 40 min 45 s
